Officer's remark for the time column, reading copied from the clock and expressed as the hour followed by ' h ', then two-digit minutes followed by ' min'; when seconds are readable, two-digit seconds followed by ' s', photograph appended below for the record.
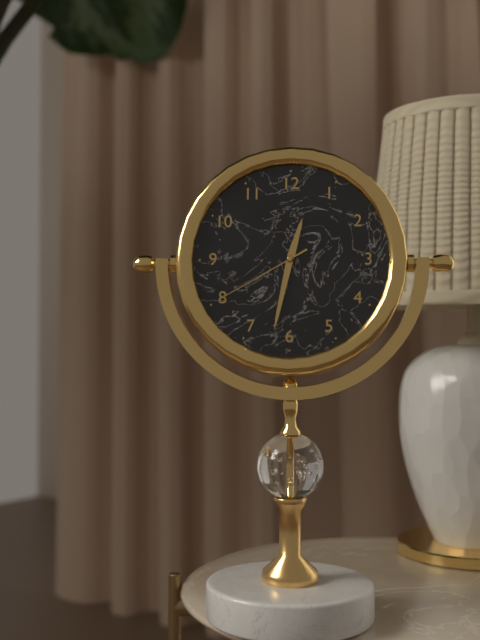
12 h 32 min 40 s
